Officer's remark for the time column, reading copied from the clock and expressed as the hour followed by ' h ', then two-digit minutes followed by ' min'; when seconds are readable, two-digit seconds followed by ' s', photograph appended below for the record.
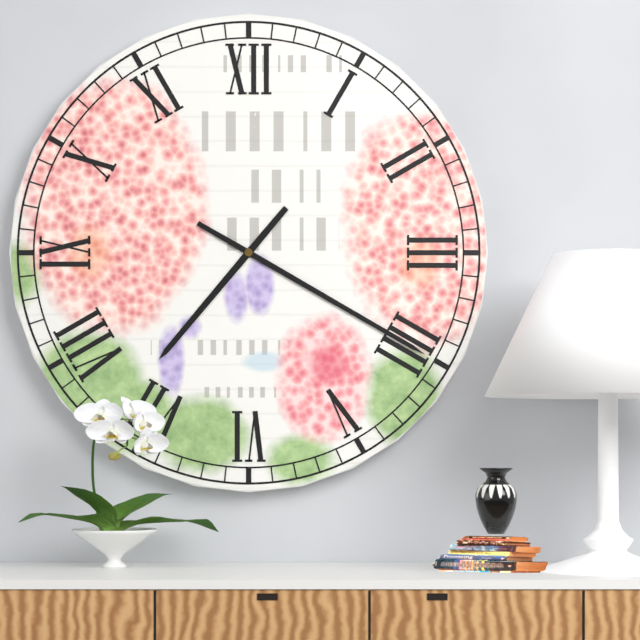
7 h 20 min
